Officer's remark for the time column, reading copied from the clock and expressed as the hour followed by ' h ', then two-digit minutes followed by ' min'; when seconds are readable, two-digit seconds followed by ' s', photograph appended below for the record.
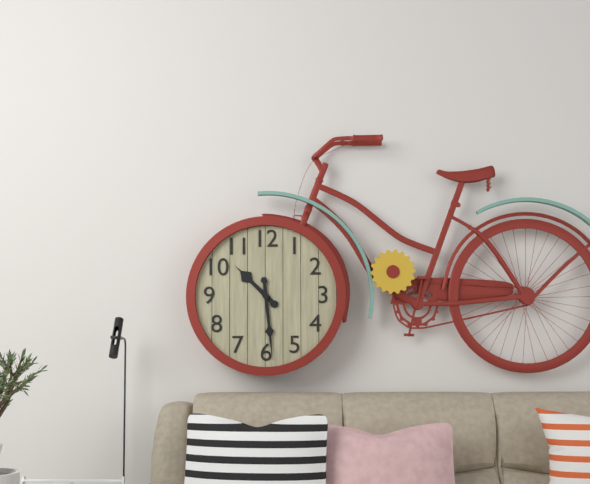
10 h 29 min
